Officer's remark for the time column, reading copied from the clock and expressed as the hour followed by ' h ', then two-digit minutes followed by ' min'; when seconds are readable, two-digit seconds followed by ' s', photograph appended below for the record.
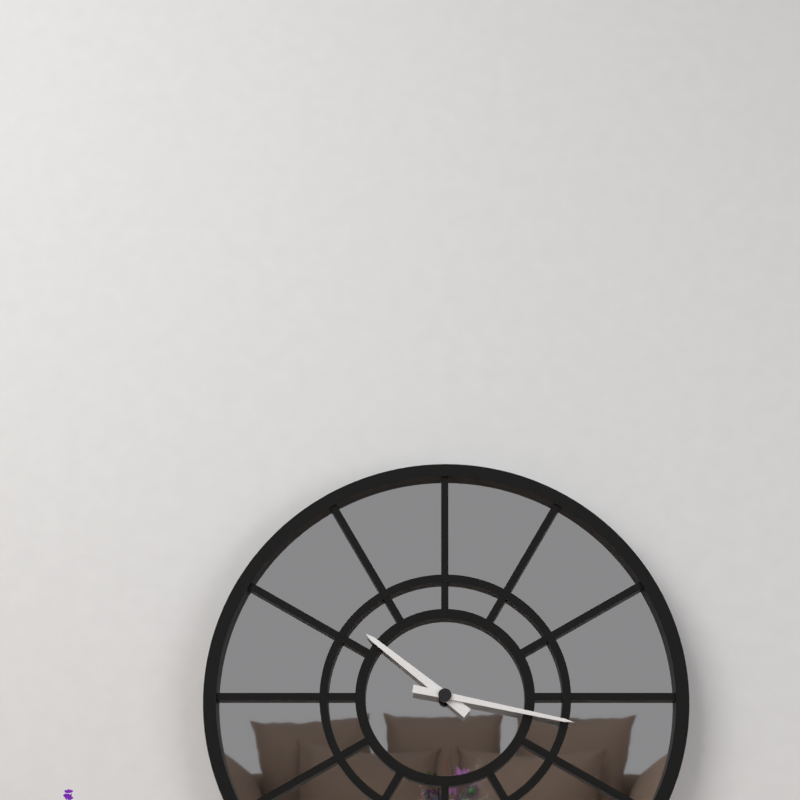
10 h 17 min
